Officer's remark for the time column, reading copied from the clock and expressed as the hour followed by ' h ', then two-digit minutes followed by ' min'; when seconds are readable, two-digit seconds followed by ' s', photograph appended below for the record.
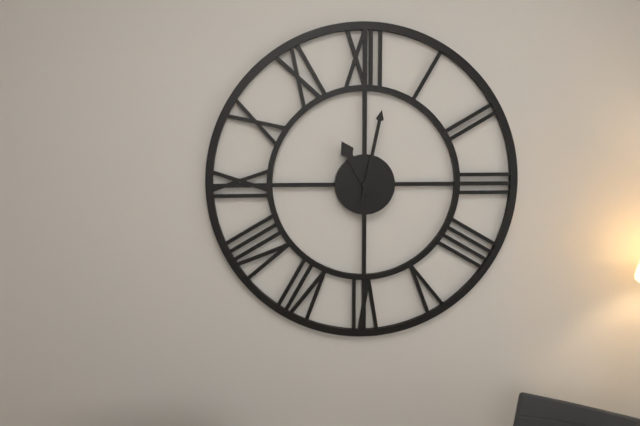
11 h 02 min
